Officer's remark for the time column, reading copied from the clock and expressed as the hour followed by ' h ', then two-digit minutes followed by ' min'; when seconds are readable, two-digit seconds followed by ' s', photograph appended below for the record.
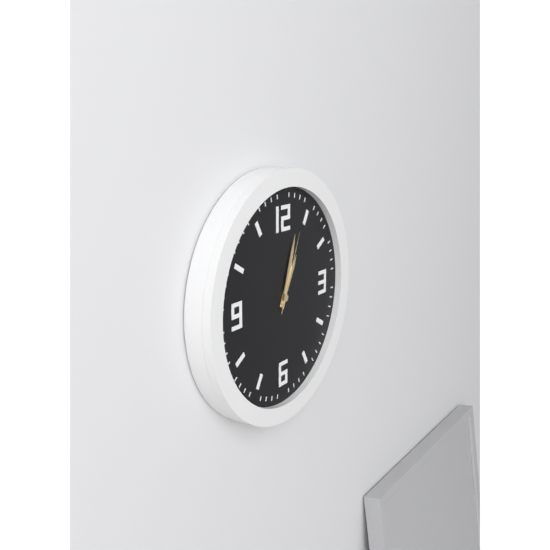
1 h 03 min 04 s
